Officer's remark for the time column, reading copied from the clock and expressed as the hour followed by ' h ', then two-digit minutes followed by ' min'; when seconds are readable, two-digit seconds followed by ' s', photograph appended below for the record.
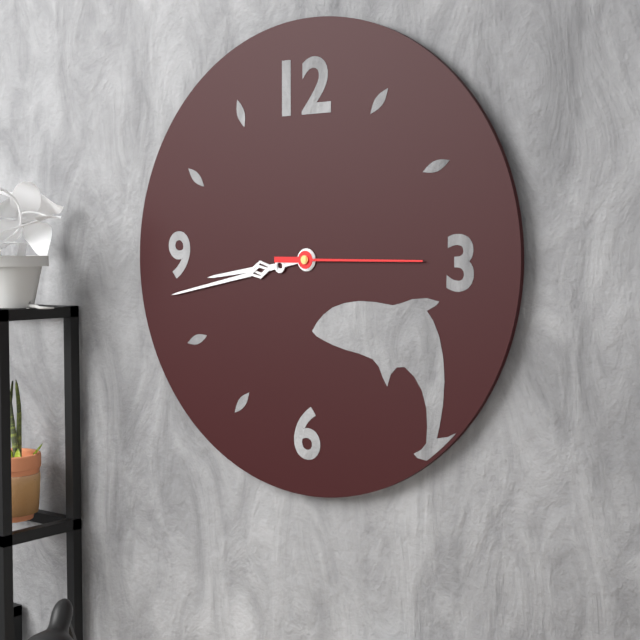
8 h 43 min 15 s
